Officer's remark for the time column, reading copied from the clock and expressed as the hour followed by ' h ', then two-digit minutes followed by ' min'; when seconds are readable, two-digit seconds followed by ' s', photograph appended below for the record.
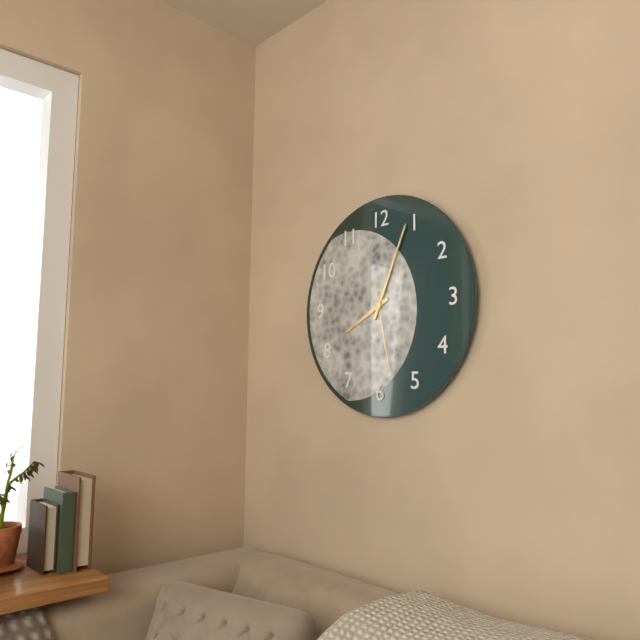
8 h 04 min 28 s
